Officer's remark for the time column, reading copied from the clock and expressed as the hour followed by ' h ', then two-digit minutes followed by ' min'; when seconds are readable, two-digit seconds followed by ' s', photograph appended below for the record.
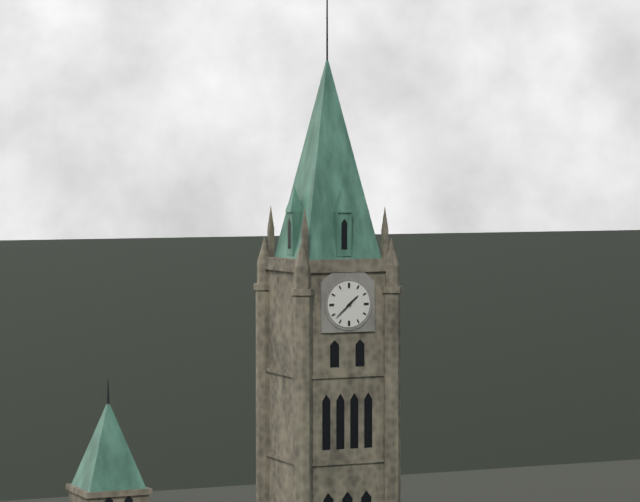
1 h 38 min
